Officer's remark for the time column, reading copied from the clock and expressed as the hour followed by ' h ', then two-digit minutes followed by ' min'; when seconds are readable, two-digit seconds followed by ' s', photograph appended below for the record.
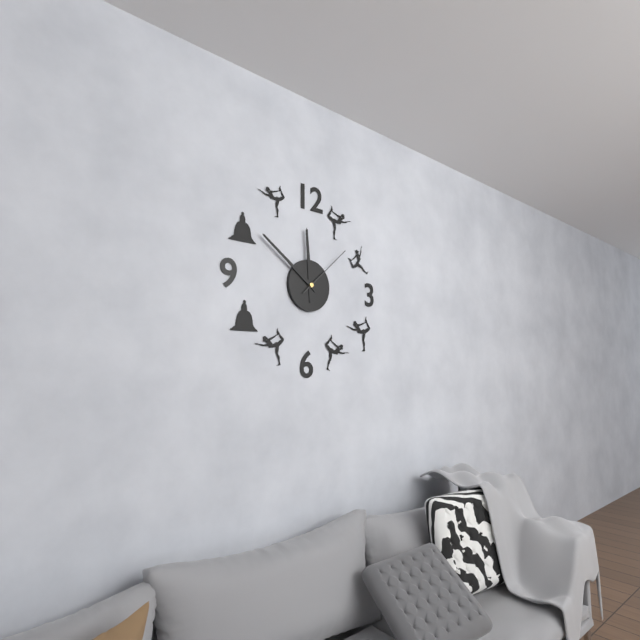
11 h 51 min 08 s
